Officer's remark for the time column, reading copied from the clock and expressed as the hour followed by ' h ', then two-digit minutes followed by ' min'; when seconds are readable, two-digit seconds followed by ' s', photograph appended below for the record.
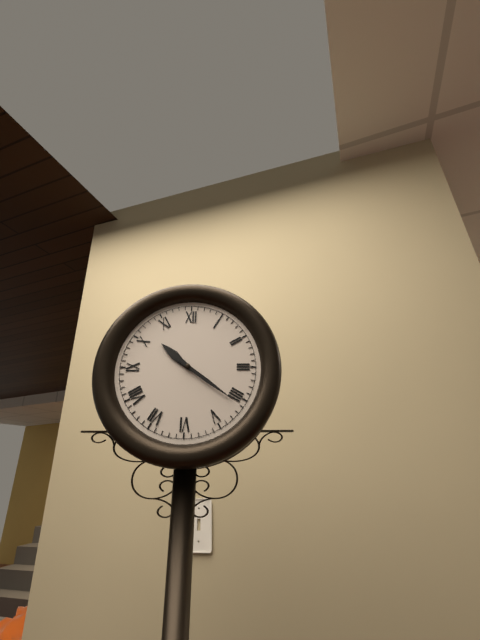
10 h 21 min
